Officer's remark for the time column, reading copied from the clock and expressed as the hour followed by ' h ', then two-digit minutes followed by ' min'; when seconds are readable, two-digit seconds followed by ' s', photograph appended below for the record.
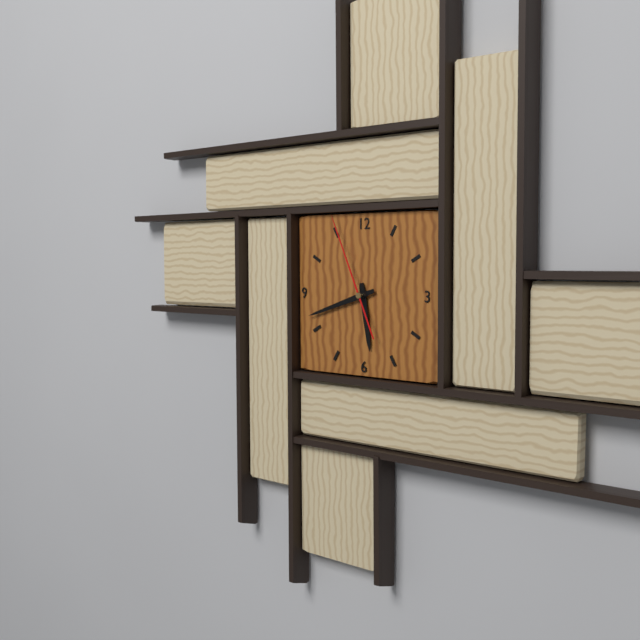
5 h 42 min 56 s
